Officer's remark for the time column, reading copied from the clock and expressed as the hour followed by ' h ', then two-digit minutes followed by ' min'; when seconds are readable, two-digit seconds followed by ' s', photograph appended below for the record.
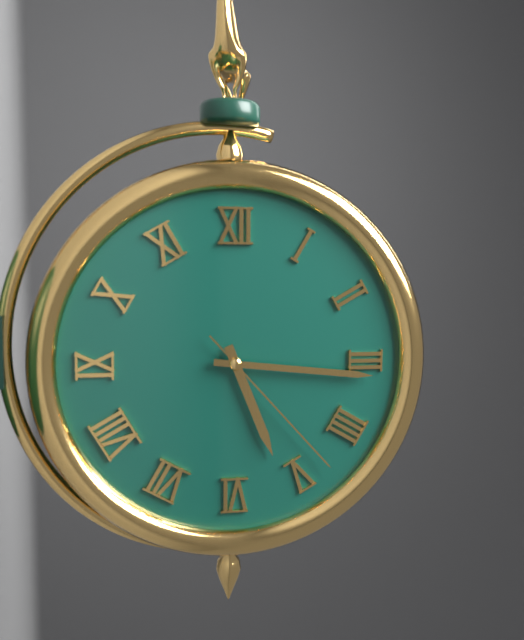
5 h 16 min 23 s
